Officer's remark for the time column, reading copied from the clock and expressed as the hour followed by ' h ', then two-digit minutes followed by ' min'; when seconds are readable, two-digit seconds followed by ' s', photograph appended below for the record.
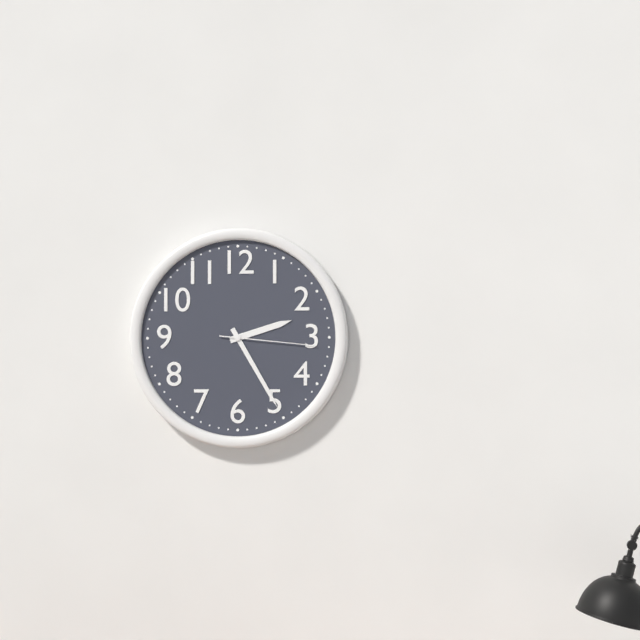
2 h 25 min 16 s
